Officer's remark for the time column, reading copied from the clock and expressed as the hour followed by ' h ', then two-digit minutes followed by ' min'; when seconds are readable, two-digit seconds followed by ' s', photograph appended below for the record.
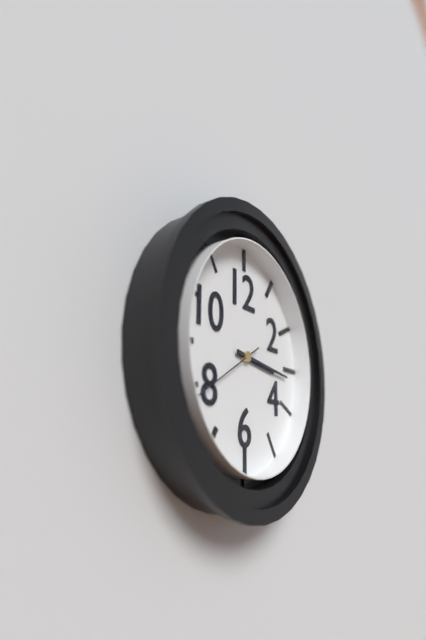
3 h 16 min 40 s
